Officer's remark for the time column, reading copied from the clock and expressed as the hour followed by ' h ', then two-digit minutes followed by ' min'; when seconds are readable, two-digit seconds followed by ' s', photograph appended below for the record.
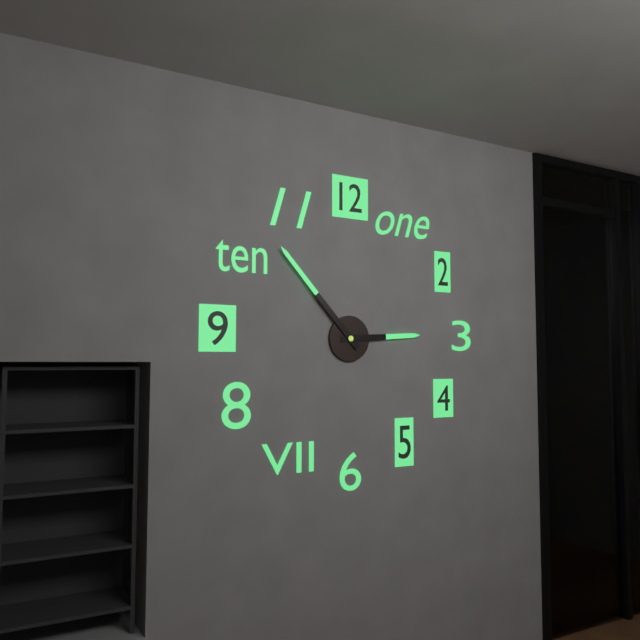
2 h 53 min
